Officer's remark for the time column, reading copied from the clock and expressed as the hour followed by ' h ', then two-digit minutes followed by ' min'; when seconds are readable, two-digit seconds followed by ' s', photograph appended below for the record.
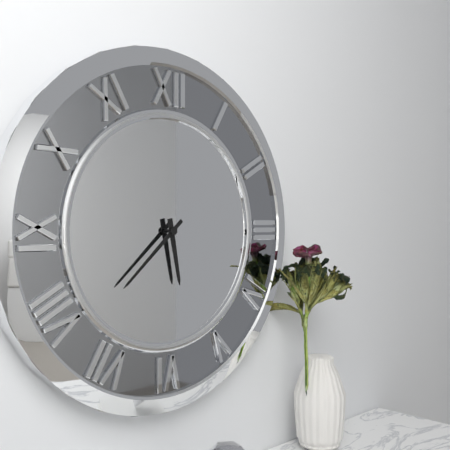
5 h 38 min
